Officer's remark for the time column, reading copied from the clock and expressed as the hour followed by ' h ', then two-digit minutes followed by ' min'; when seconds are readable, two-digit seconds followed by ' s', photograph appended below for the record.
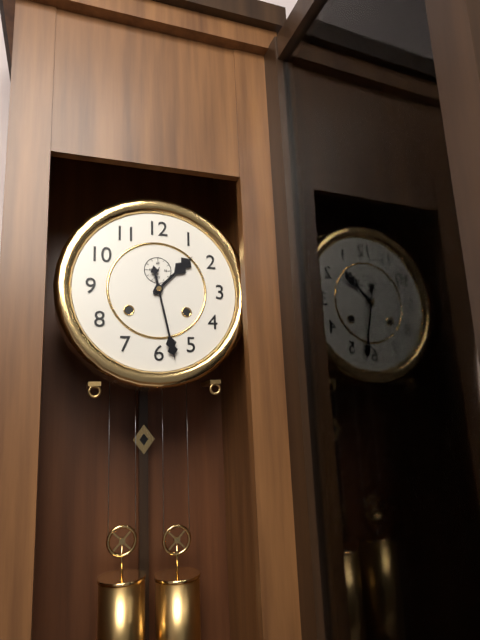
1 h 28 min
